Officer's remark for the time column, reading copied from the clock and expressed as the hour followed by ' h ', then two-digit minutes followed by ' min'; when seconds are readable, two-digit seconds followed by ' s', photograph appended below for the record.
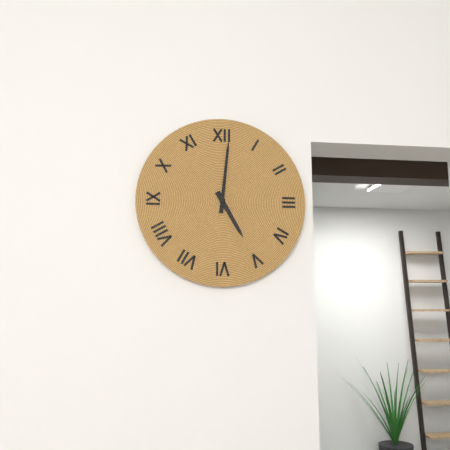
5 h 01 min
